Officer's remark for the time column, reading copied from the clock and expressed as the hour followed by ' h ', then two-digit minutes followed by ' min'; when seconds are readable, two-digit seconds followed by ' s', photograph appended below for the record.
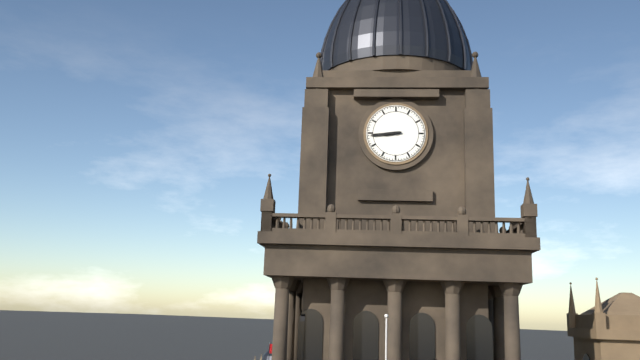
8 h 44 min
